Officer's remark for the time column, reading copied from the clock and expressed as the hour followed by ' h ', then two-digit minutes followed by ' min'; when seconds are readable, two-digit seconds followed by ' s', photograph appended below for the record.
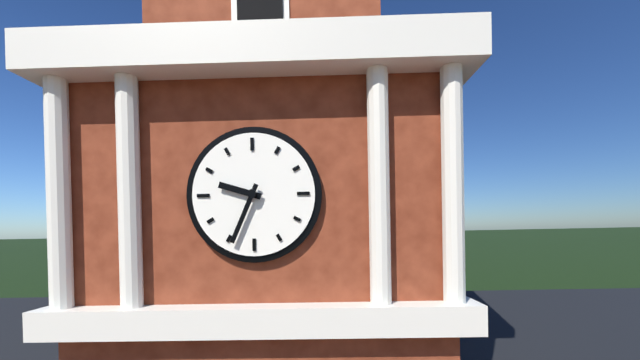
9 h 34 min
